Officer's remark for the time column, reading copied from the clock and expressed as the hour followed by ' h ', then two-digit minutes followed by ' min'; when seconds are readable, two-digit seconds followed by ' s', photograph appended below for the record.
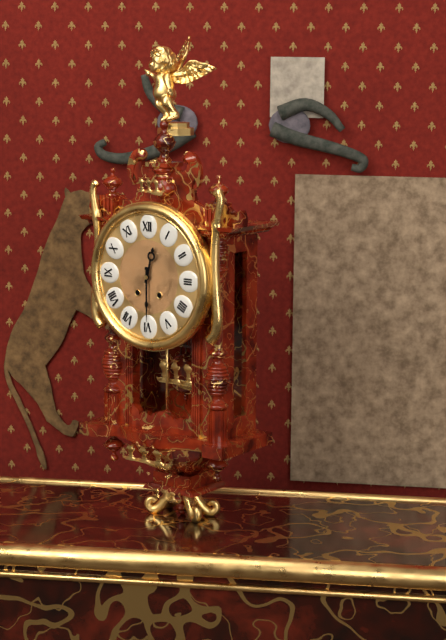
12 h 30 min
